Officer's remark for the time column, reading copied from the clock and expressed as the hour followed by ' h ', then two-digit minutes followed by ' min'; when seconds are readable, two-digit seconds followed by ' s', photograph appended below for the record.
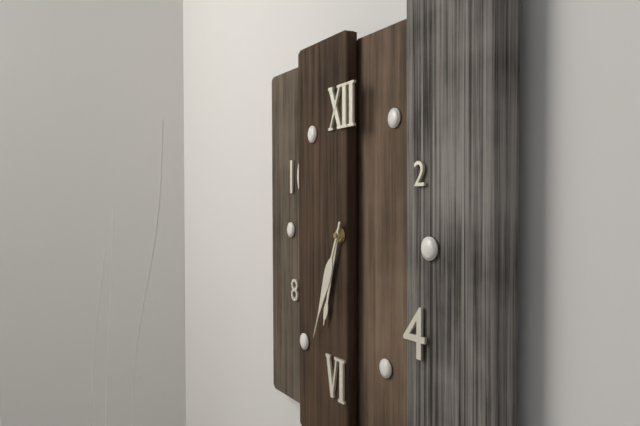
6 h 34 min
